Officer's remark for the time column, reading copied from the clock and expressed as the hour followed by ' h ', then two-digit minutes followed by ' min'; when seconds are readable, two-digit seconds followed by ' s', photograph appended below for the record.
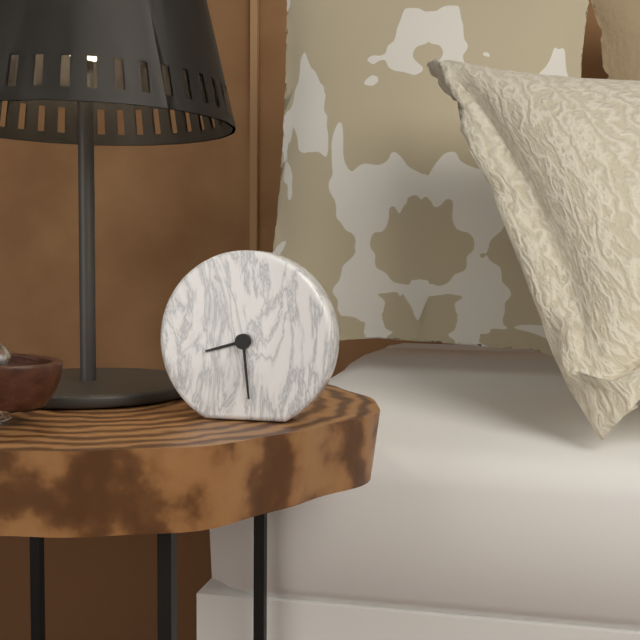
8 h 29 min
